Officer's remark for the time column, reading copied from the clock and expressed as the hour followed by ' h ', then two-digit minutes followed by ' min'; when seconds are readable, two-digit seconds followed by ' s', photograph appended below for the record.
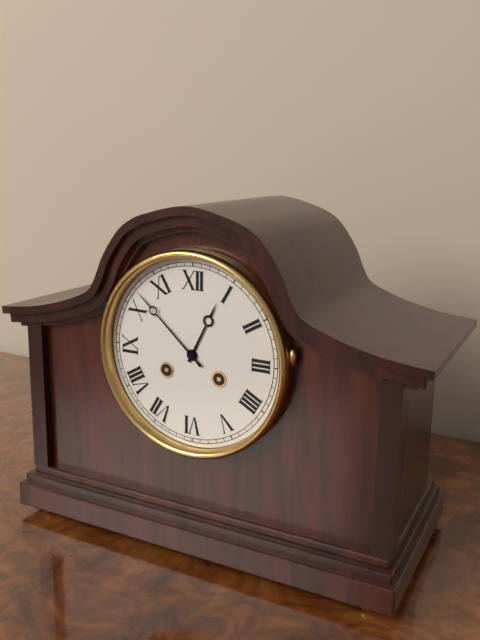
12 h 52 min
